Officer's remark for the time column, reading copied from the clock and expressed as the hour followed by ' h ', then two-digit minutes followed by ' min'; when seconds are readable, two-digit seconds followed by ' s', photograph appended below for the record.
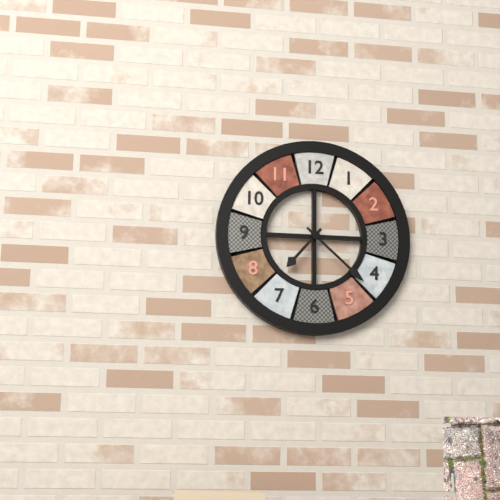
7 h 22 min
